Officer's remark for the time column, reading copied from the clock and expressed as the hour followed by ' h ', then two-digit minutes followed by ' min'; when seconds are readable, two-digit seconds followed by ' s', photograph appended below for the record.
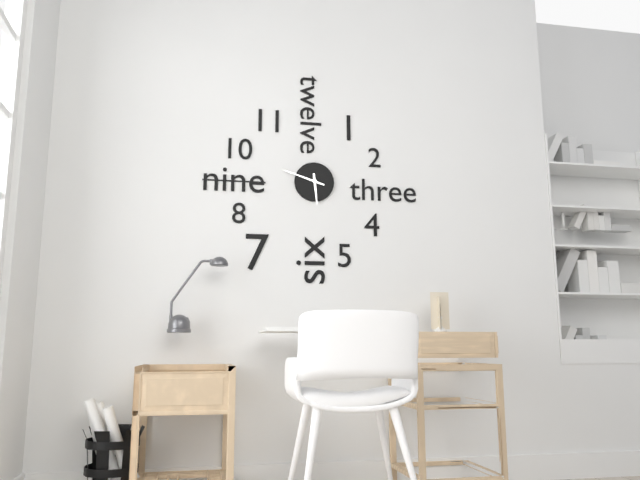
5 h 48 min
